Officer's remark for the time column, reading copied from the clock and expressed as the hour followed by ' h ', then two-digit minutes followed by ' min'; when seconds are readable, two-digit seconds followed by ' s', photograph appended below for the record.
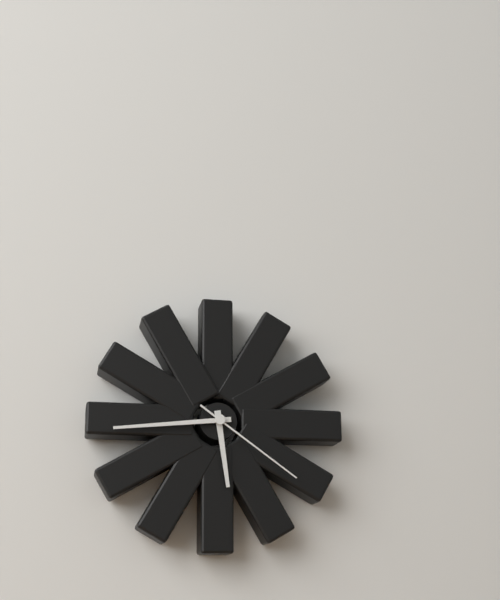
5 h 44 min 21 s
